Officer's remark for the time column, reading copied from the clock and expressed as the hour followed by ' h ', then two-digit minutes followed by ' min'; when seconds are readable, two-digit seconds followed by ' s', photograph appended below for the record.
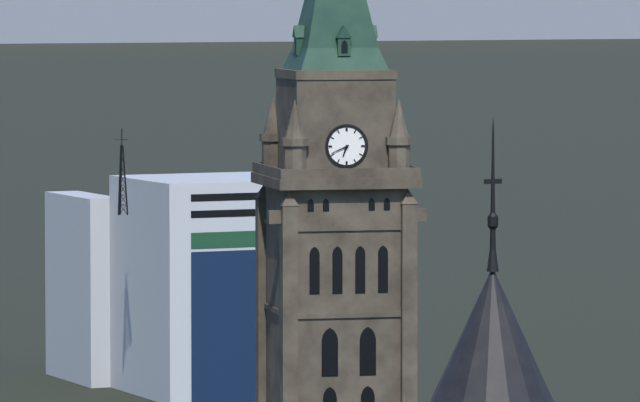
6 h 41 min
